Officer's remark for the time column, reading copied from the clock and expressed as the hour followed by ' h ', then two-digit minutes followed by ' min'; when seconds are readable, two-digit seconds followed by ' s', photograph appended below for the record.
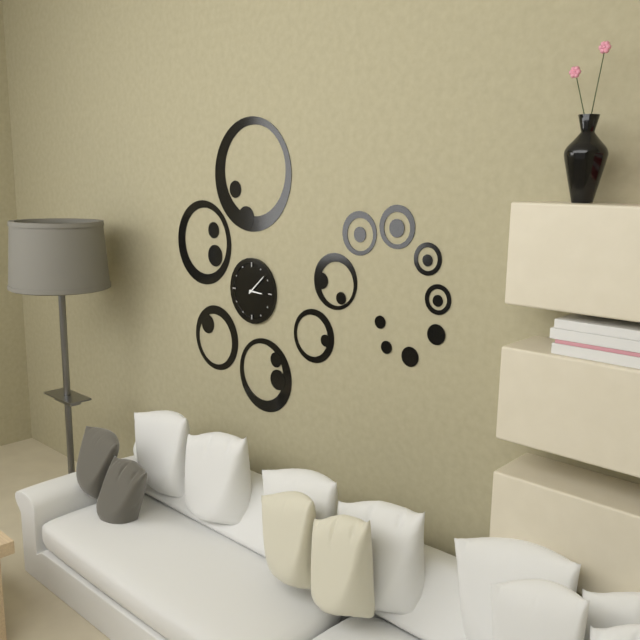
3 h 08 min
